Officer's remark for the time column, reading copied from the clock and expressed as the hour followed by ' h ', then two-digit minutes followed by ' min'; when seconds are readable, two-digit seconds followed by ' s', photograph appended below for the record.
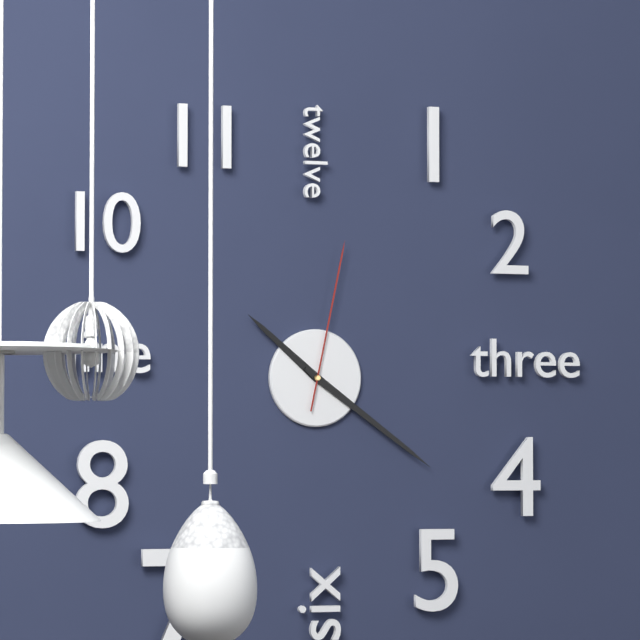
10 h 21 min 02 s
